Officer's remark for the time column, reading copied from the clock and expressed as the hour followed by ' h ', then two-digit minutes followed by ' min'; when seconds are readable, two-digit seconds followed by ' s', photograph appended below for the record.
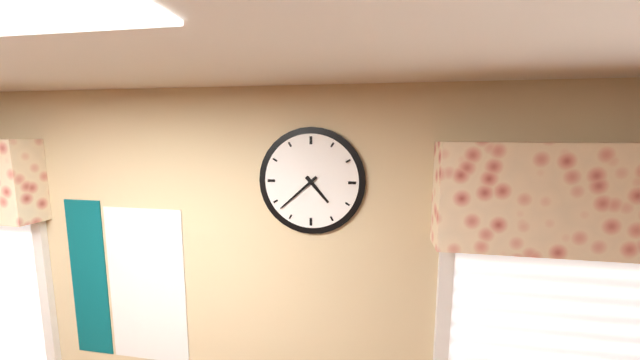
4 h 38 min
